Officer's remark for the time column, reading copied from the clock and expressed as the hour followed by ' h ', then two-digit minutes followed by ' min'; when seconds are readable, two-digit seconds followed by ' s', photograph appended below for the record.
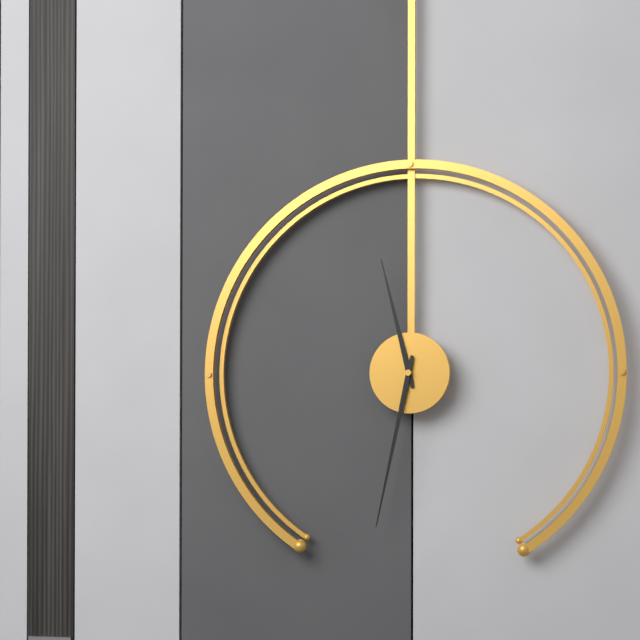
11 h 32 min
